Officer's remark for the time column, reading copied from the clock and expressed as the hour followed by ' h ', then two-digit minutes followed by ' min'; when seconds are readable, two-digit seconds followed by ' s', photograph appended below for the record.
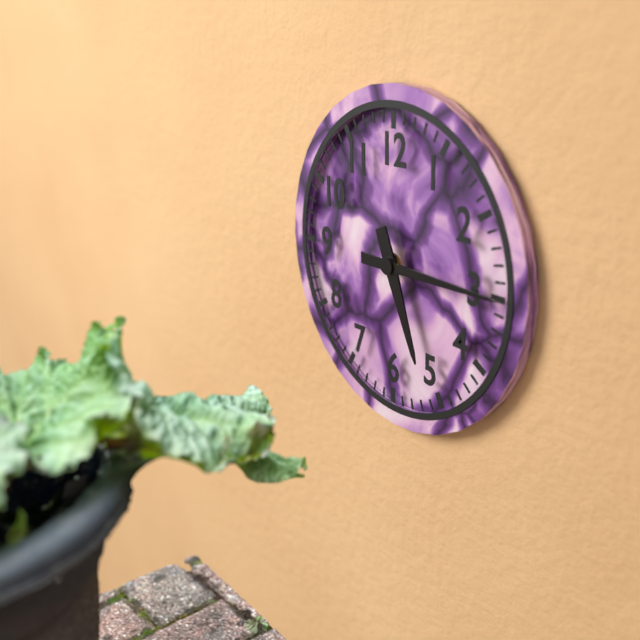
5 h 15 min
